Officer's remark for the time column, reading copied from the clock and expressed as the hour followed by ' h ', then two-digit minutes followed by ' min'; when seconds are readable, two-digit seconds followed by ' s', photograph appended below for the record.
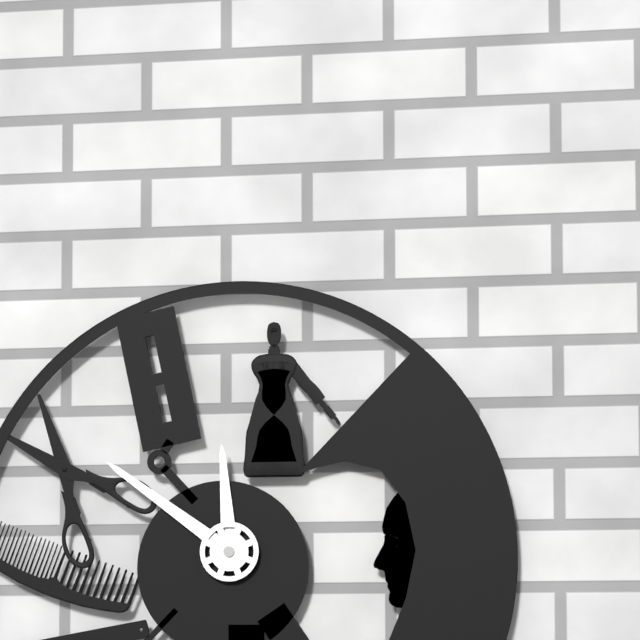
11 h 51 min
